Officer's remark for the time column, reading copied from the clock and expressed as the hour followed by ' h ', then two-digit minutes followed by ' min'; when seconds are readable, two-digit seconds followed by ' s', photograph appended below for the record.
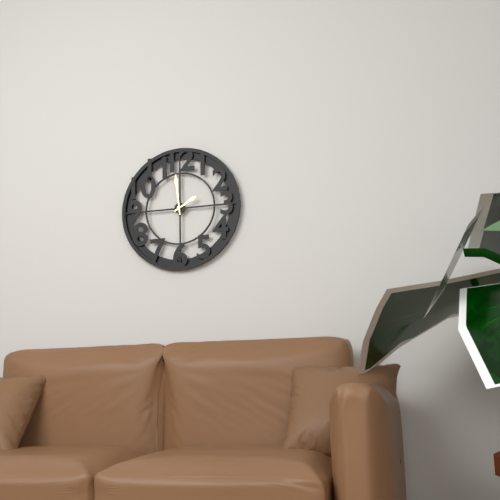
1 h 59 min
